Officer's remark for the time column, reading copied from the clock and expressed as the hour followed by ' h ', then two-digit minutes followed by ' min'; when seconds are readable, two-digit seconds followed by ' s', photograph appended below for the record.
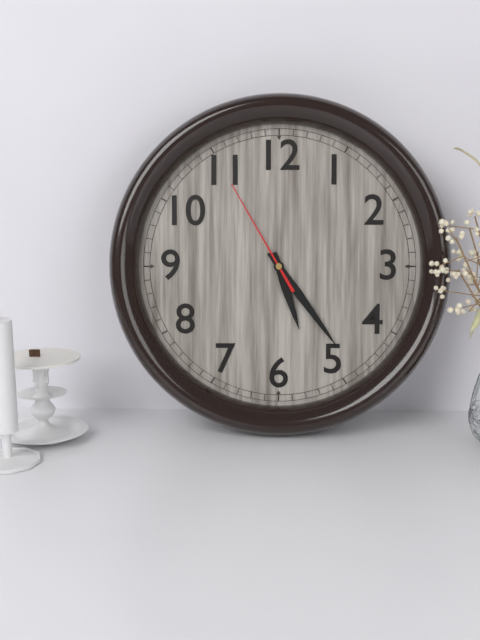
5 h 24 min 55 s
